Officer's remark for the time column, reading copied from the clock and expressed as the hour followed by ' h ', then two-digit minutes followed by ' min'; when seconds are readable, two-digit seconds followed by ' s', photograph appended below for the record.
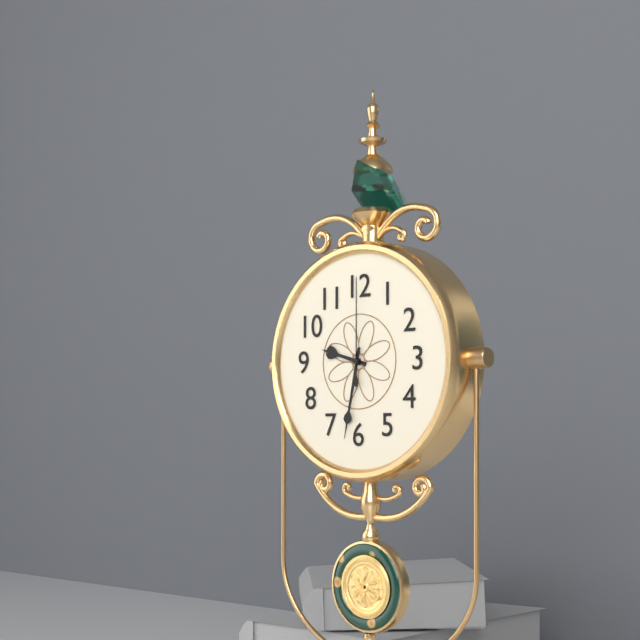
9 h 32 min 00 s
